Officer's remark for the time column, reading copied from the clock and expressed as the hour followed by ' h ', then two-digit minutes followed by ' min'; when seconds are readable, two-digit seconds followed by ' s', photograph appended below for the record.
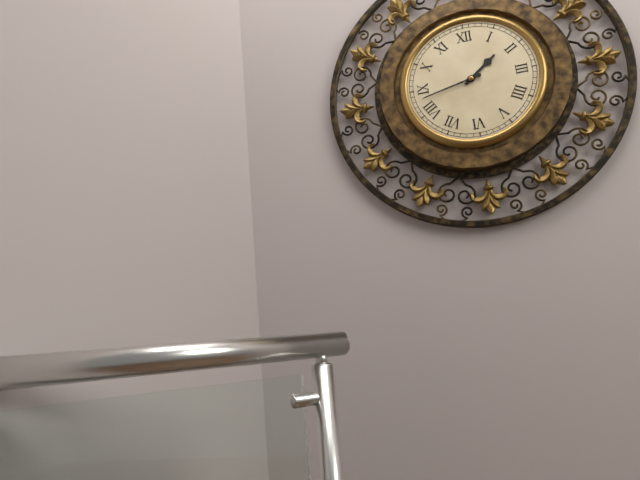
1 h 43 min
